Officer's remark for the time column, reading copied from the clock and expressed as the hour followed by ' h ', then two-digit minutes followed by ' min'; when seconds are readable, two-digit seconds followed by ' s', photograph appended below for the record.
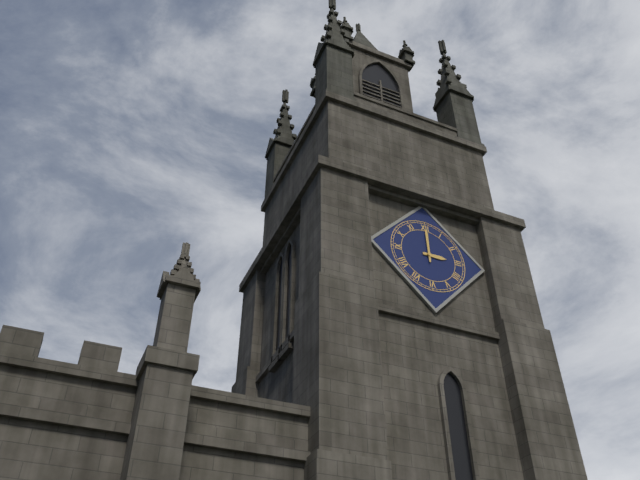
3 h 00 min
